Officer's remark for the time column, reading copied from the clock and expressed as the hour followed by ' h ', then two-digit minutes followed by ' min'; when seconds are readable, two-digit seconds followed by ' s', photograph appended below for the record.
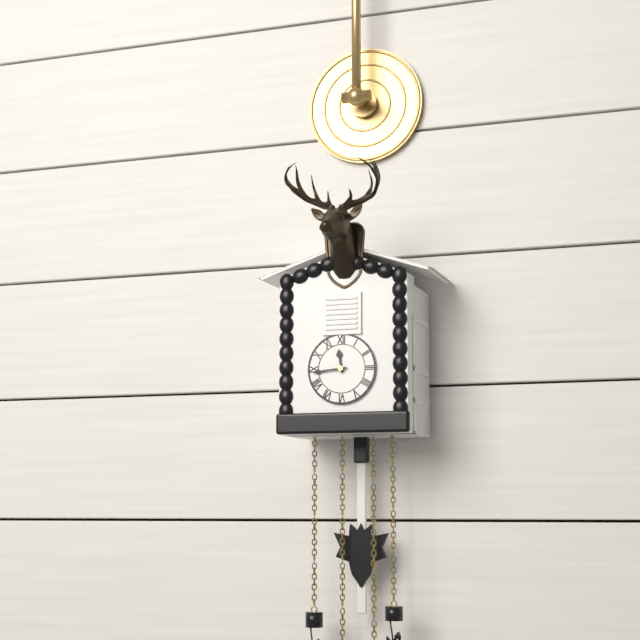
11 h 44 min
